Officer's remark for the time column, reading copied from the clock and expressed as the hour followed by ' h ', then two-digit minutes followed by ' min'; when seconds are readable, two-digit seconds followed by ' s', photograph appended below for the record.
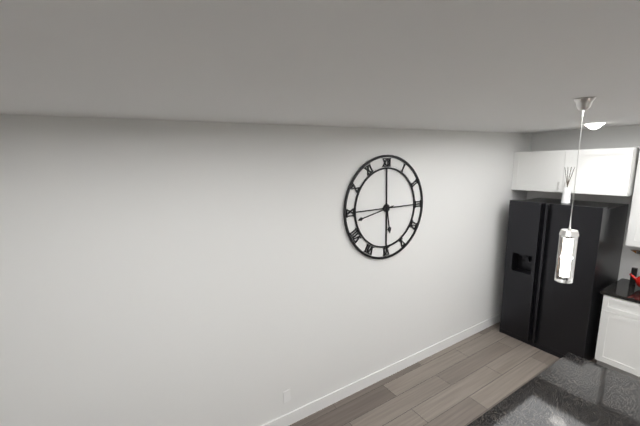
5 h 43 min
